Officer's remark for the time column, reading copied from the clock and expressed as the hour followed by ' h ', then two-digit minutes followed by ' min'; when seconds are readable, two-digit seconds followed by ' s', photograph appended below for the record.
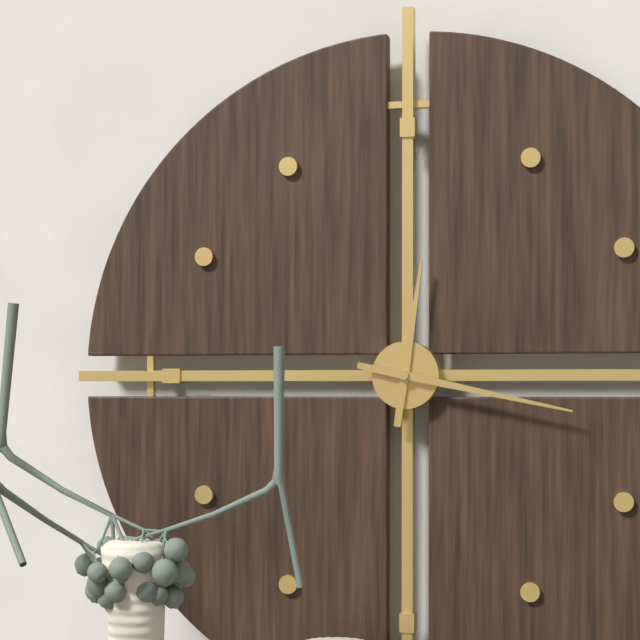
12 h 17 min
